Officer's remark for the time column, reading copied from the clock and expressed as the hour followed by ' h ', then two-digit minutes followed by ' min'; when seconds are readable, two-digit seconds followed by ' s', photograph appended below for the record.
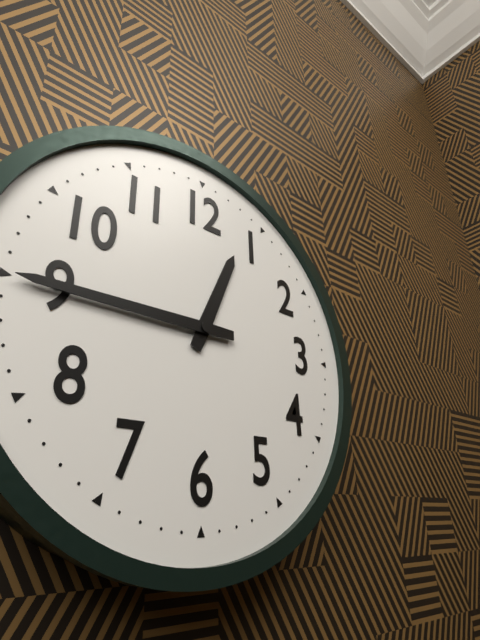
12 h 45 min
